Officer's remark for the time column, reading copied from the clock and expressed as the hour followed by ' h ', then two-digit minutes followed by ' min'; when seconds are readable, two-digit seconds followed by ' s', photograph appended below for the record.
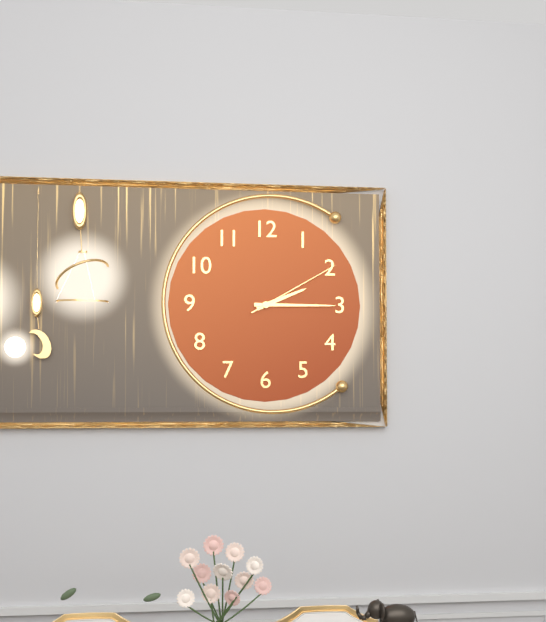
2 h 15 min 10 s
